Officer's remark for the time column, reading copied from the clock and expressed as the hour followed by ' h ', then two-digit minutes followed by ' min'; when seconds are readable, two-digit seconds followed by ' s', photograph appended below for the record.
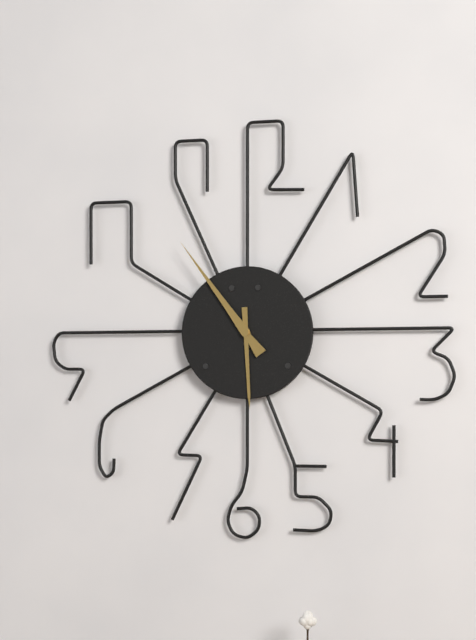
5 h 54 min
